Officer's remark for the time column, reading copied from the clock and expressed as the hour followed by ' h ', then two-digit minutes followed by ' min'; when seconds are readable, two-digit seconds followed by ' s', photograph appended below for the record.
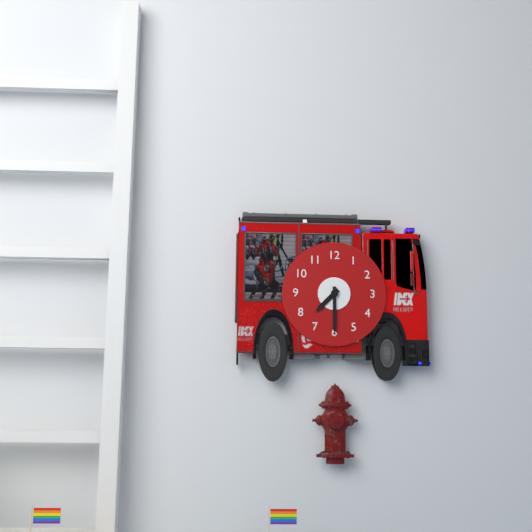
7 h 30 min
